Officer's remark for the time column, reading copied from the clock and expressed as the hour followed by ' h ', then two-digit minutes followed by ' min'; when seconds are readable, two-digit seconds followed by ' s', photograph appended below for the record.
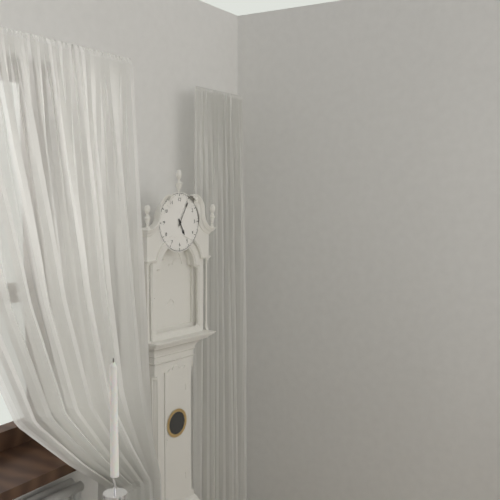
5 h 05 min
